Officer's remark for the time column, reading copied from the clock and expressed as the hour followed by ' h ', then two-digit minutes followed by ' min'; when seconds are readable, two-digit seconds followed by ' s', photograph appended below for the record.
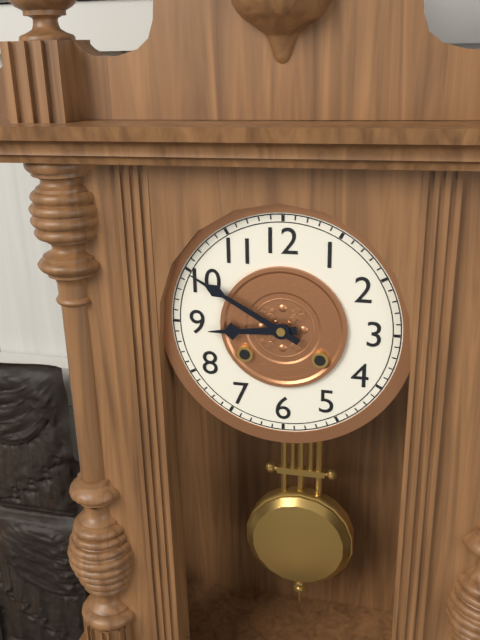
8 h 50 min
